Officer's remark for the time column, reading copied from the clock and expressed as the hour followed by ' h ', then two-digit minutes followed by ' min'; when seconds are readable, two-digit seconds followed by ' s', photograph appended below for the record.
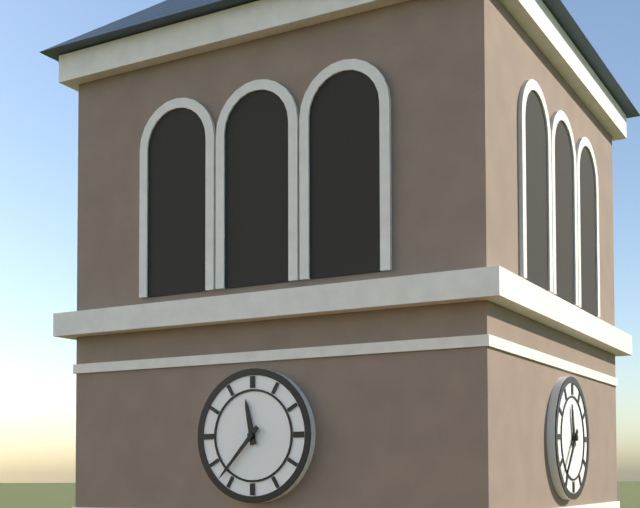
11 h 37 min
